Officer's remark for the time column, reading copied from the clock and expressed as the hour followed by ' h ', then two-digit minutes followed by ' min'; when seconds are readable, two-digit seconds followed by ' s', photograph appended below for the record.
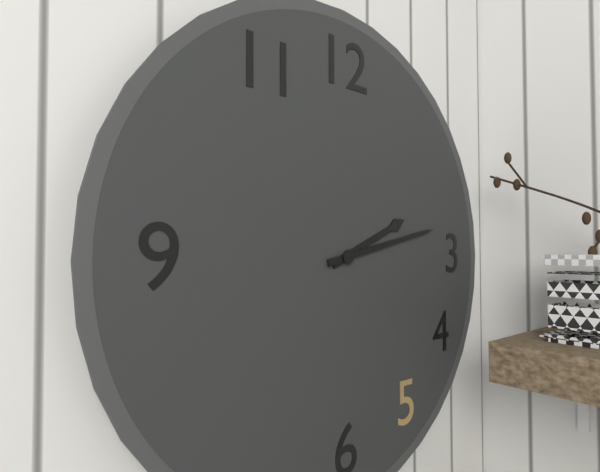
2 h 13 min
